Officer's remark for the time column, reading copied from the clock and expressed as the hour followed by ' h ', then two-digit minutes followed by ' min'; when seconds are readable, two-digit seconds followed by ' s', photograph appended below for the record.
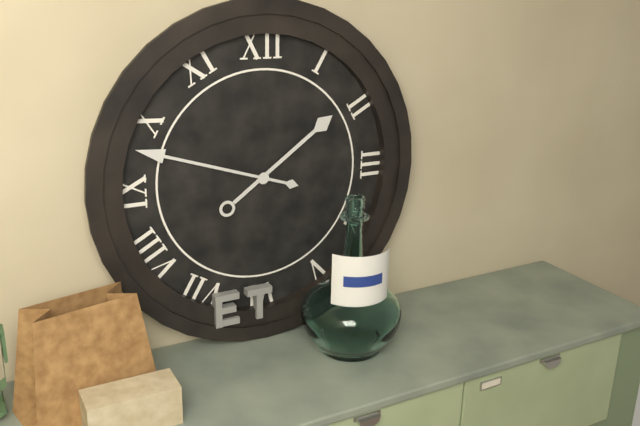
1 h 48 min
